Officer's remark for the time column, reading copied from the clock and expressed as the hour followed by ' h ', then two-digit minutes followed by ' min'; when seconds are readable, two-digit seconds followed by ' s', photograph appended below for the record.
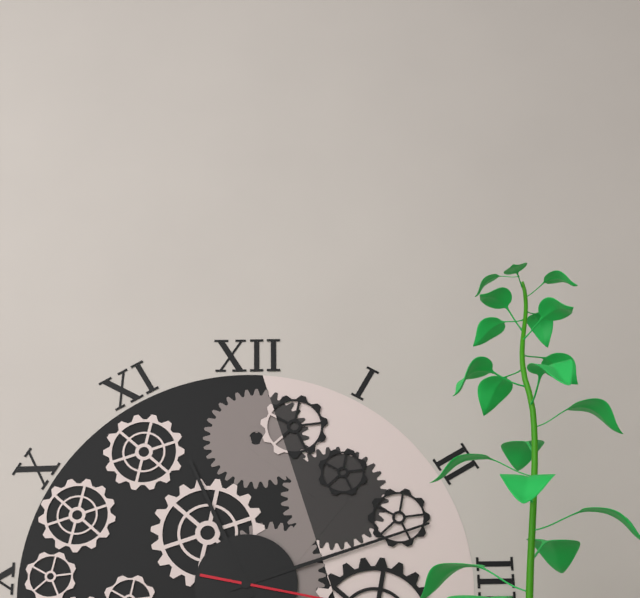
11 h 12 min
